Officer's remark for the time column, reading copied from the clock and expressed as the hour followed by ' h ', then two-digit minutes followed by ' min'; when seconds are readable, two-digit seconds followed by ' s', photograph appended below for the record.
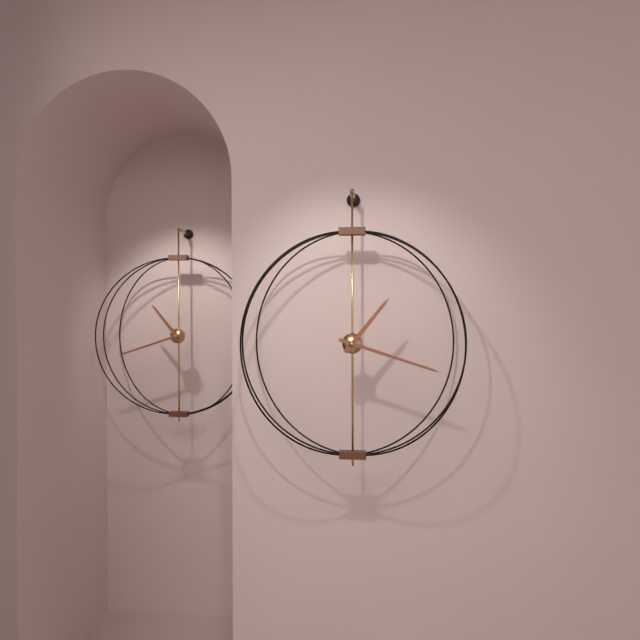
1 h 18 min
